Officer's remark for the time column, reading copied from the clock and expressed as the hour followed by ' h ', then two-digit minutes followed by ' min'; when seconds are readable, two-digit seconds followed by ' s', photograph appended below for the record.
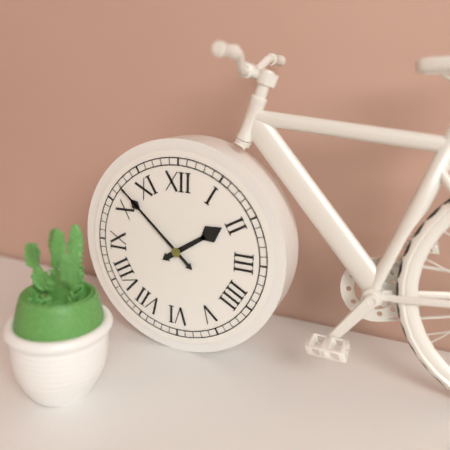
1 h 52 min
